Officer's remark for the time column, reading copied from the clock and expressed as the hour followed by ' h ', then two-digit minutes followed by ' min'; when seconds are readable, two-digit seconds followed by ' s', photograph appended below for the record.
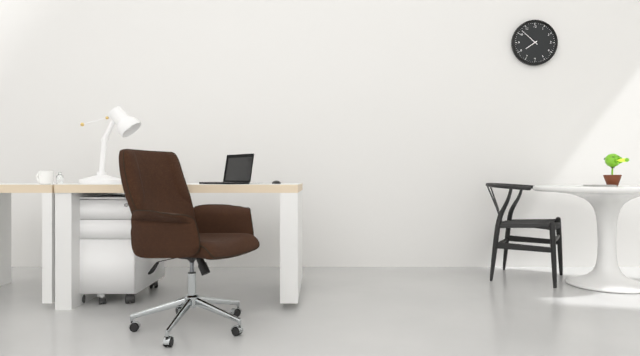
7 h 52 min
